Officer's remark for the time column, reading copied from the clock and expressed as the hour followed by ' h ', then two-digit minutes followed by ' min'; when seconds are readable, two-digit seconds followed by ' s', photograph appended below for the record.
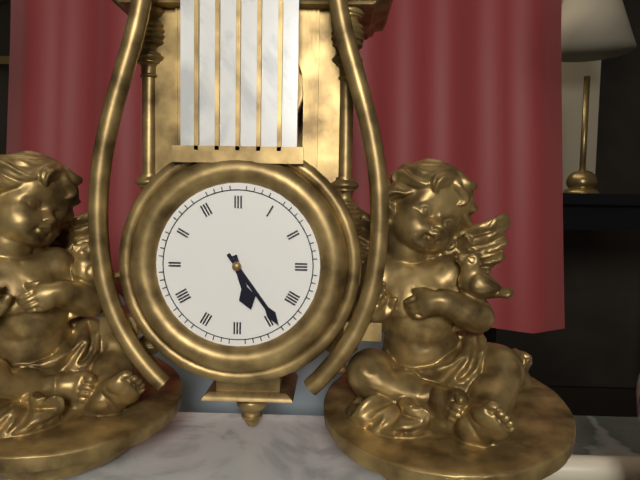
5 h 24 min
